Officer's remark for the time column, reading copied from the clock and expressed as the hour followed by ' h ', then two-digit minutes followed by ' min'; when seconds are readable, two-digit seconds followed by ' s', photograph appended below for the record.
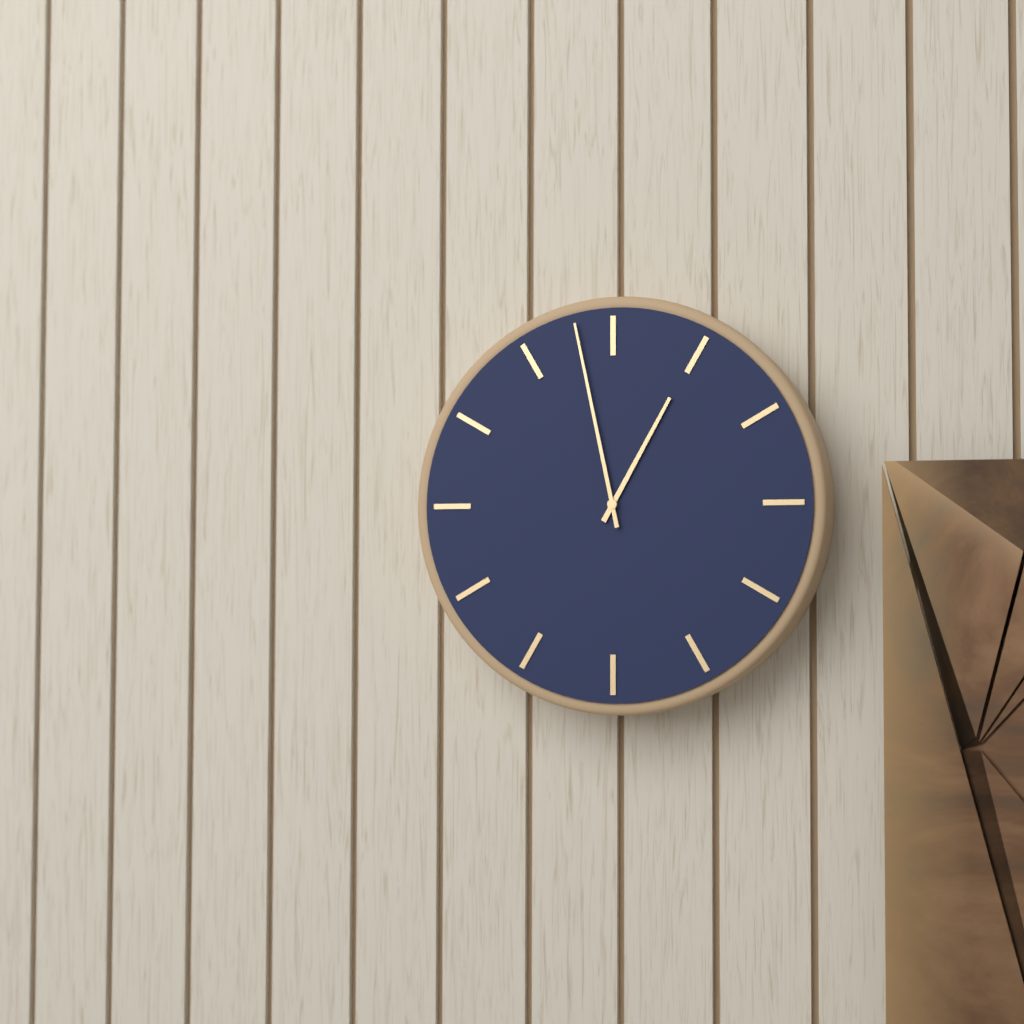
12 h 58 min
